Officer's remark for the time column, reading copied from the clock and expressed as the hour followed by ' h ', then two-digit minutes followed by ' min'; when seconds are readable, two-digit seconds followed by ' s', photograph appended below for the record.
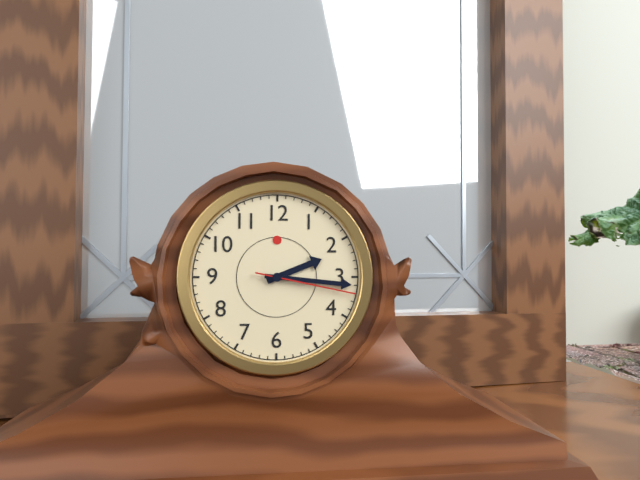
2 h 16 min 17 s
